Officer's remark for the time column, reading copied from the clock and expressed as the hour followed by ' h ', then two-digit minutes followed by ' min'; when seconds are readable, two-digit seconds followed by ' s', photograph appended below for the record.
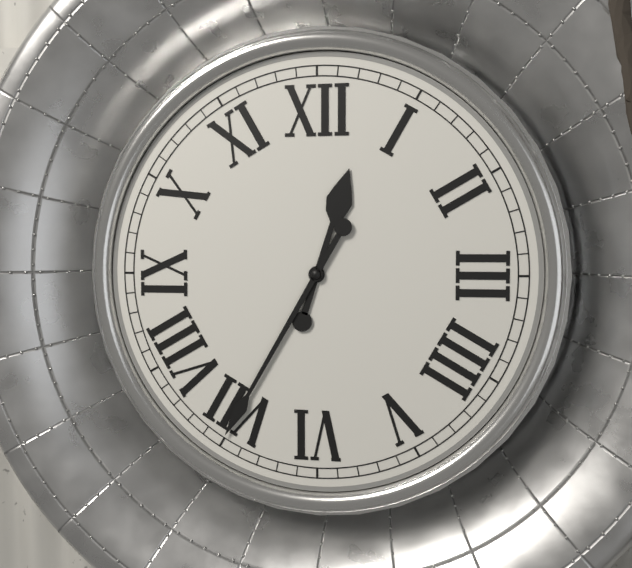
12 h 35 min
